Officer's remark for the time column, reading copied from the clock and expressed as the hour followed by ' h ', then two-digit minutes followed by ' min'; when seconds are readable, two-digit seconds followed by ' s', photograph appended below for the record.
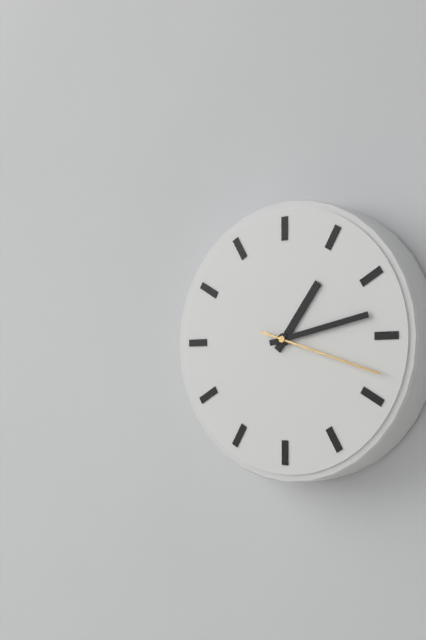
1 h 13 min 18 s
